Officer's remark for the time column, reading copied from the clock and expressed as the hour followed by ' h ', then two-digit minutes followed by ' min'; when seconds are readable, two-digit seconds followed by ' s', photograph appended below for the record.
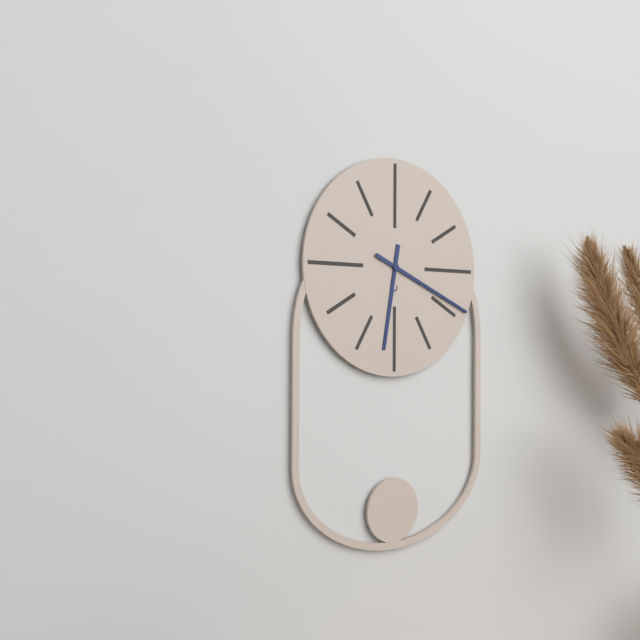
6 h 19 min
